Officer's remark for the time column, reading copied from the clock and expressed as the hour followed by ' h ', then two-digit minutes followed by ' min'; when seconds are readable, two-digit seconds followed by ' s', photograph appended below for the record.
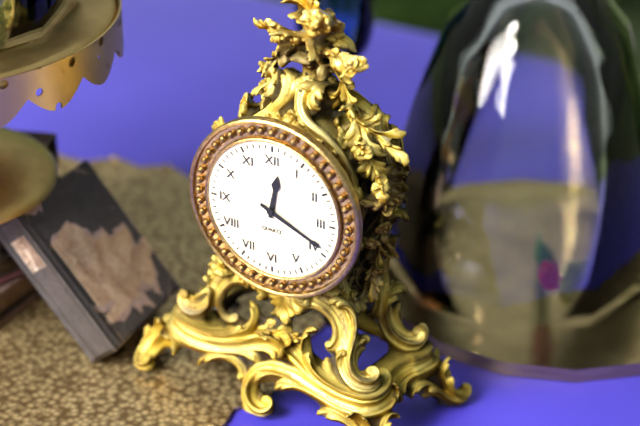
12 h 19 min
